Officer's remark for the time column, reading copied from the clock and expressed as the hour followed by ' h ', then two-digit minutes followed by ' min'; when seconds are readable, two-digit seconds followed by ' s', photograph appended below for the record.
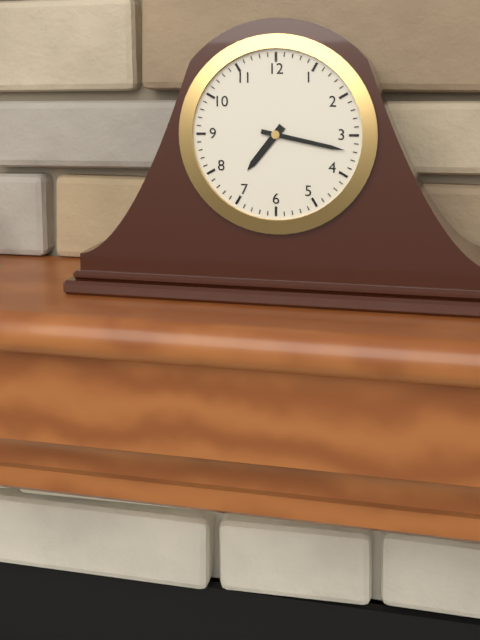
7 h 17 min
